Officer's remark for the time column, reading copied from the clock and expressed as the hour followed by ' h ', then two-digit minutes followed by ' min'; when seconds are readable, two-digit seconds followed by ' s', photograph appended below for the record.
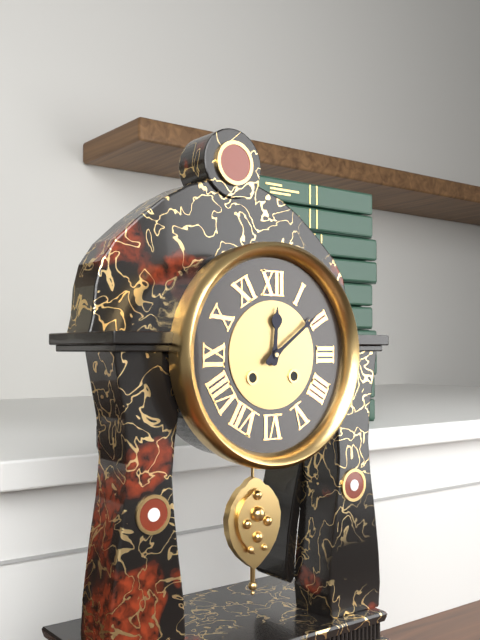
12 h 09 min
